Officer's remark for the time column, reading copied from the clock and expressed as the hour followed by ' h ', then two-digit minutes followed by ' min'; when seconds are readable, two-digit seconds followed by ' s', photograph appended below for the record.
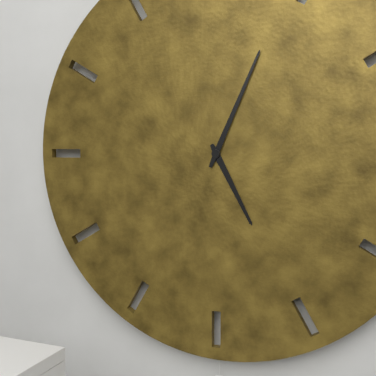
5 h 04 min
